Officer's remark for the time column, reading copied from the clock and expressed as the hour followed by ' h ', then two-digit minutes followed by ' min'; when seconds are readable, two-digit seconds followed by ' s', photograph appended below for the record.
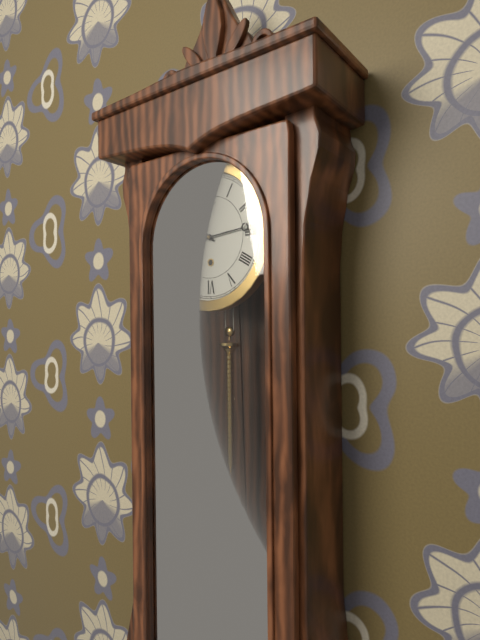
10 h 14 min
